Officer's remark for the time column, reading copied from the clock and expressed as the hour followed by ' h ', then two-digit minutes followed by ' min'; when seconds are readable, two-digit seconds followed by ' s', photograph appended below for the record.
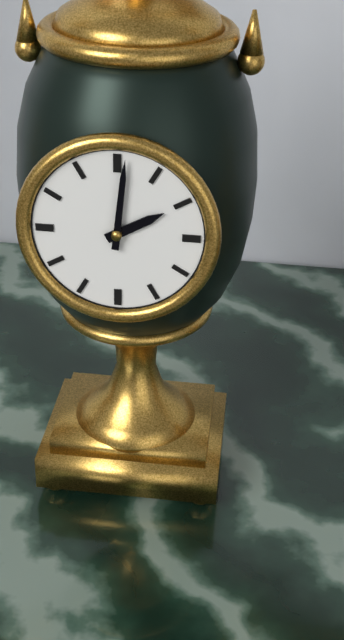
2 h 01 min
